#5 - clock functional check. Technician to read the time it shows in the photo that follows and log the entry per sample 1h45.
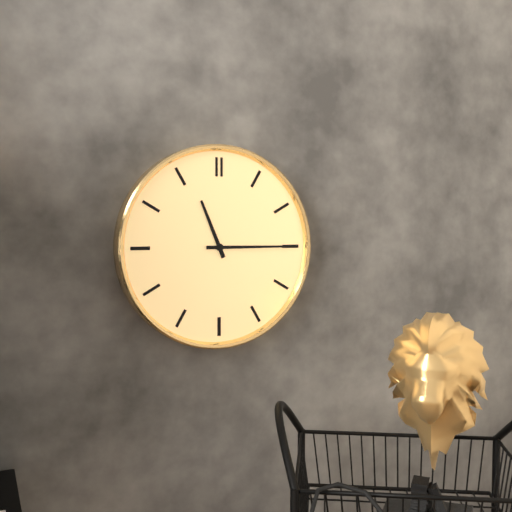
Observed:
11h15
